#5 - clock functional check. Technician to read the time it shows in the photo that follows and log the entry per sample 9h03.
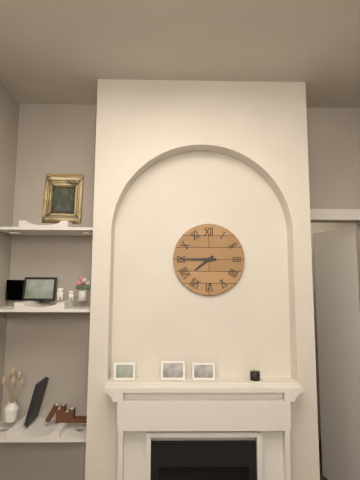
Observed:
7h45
